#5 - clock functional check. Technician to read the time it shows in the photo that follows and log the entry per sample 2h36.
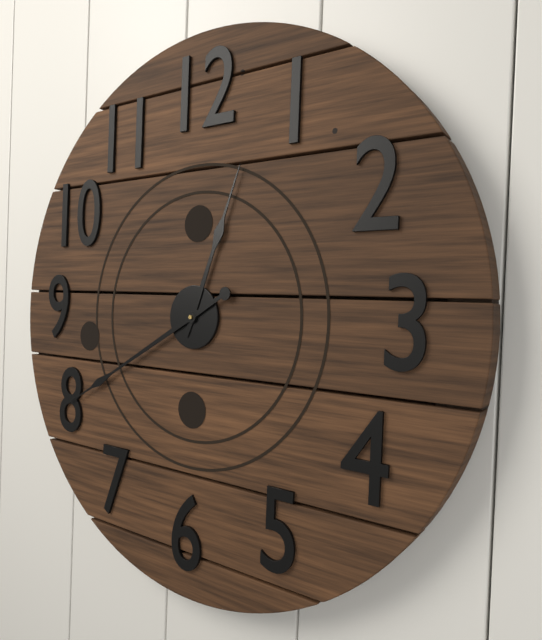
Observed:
12h40
